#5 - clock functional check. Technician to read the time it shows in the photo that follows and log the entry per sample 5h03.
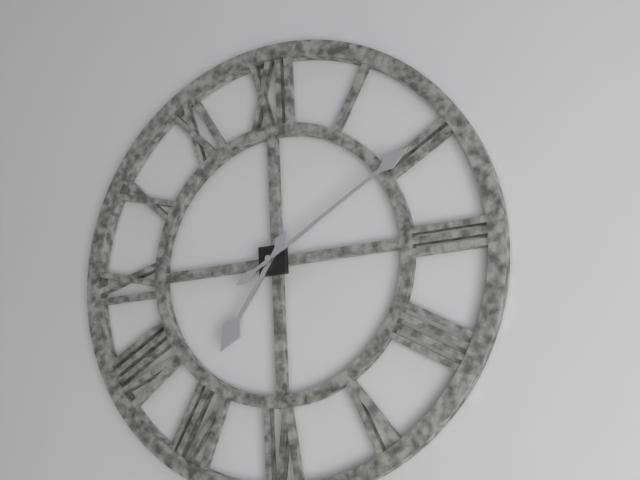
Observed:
7h10
